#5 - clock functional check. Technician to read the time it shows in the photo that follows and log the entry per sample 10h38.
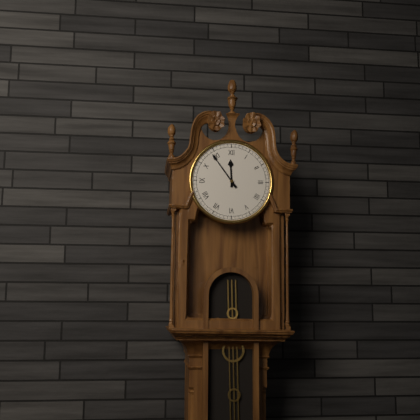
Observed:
11h54
